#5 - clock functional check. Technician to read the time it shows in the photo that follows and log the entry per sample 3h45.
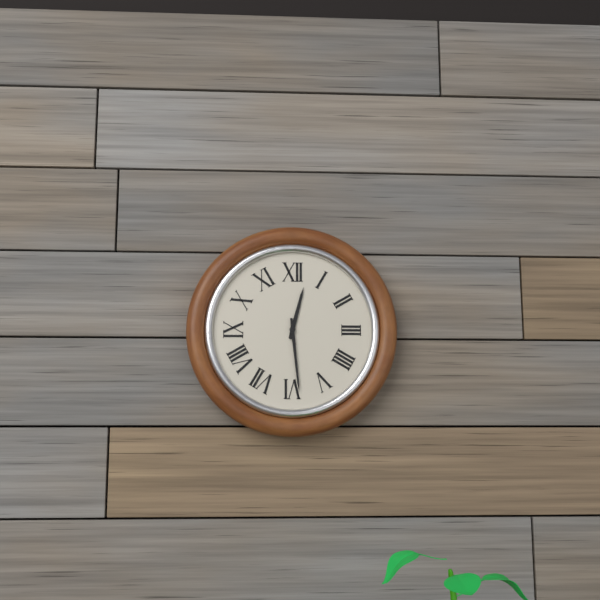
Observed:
12h29
